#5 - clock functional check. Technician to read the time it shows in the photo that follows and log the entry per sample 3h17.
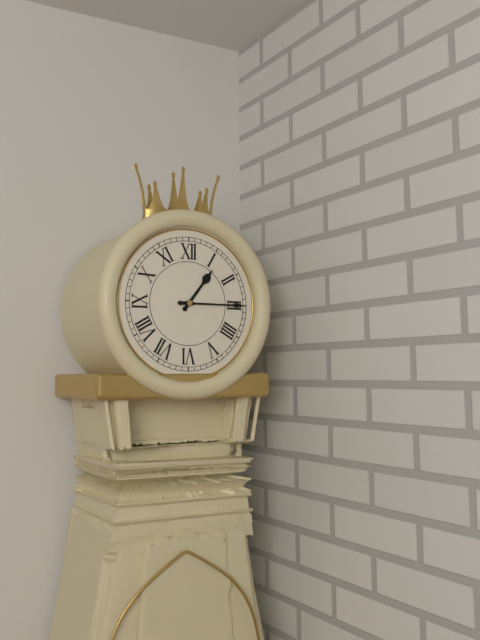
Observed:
1h15
